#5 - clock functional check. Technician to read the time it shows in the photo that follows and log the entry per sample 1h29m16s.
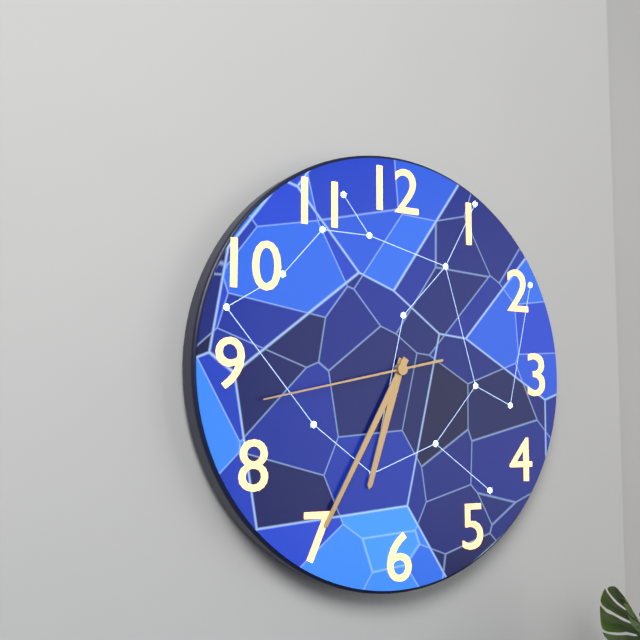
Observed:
6h35m43s
